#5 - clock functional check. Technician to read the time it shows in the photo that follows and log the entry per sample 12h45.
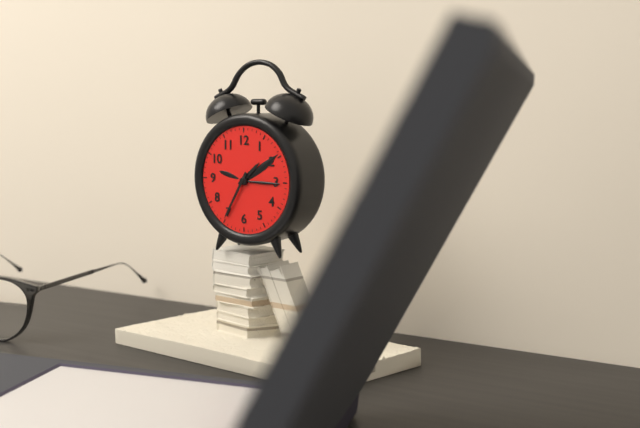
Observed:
1h35
